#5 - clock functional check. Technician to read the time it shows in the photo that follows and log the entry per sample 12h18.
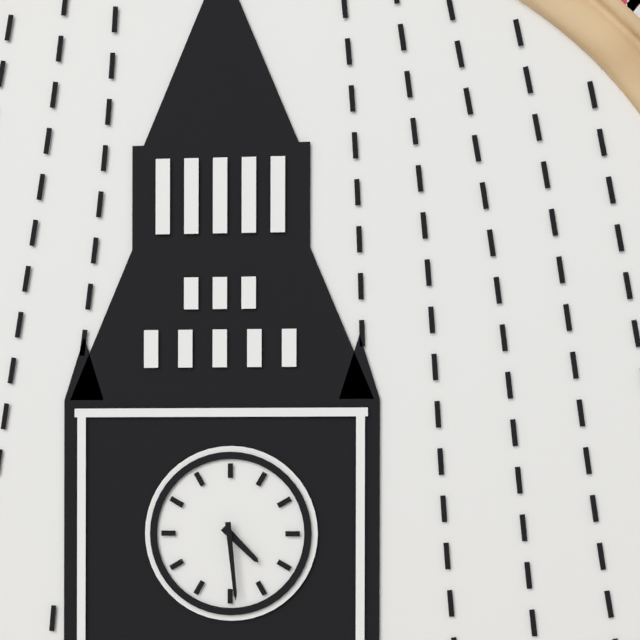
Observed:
4h29
